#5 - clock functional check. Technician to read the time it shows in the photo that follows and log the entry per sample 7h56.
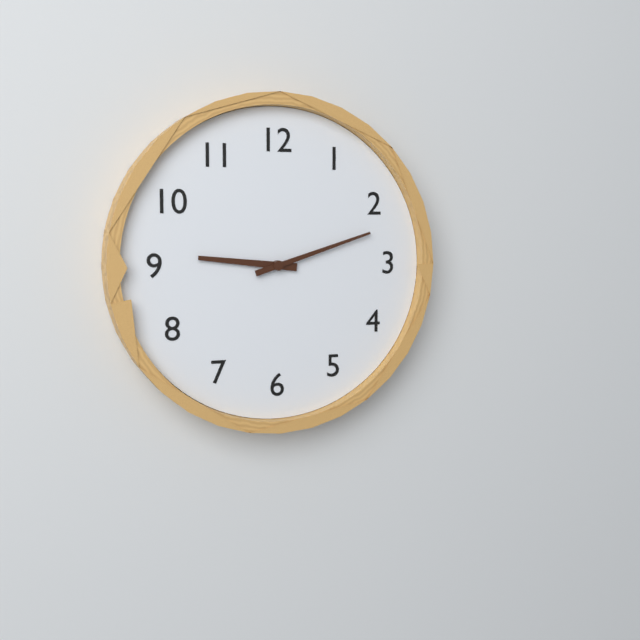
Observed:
9h12
